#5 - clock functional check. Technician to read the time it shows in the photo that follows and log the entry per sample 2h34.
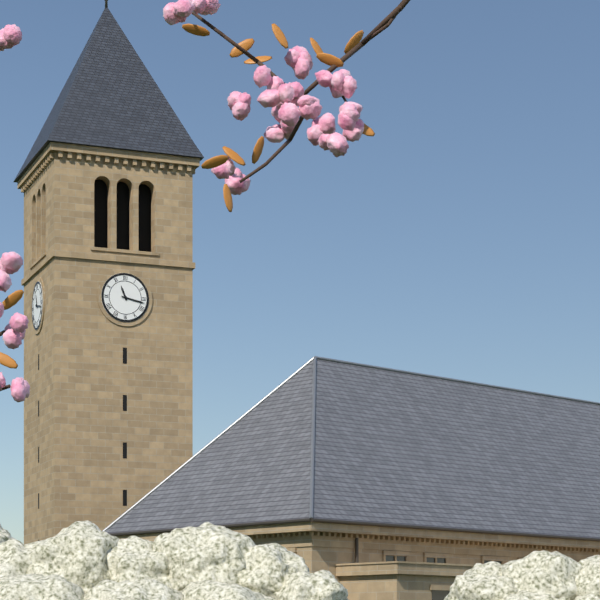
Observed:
11h17
